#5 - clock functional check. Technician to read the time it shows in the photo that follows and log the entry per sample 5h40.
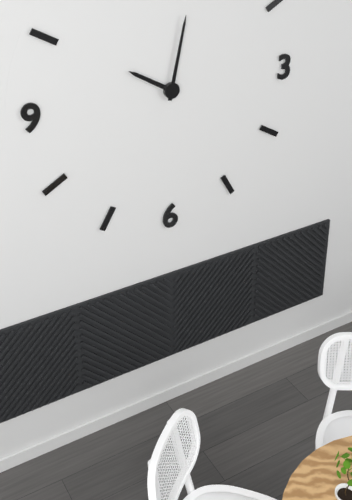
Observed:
10h02
